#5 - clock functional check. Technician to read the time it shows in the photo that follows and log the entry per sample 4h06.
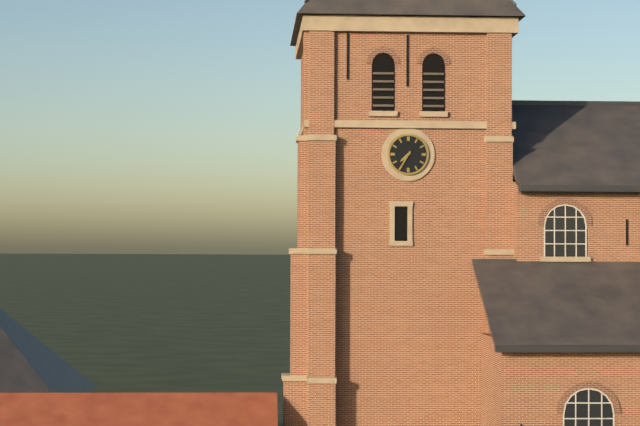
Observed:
7h35
